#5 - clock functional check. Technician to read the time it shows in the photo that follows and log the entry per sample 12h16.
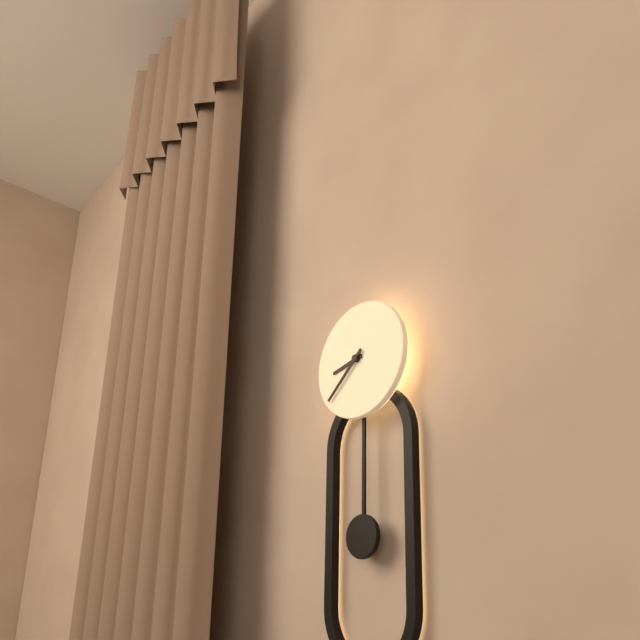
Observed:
8h38
